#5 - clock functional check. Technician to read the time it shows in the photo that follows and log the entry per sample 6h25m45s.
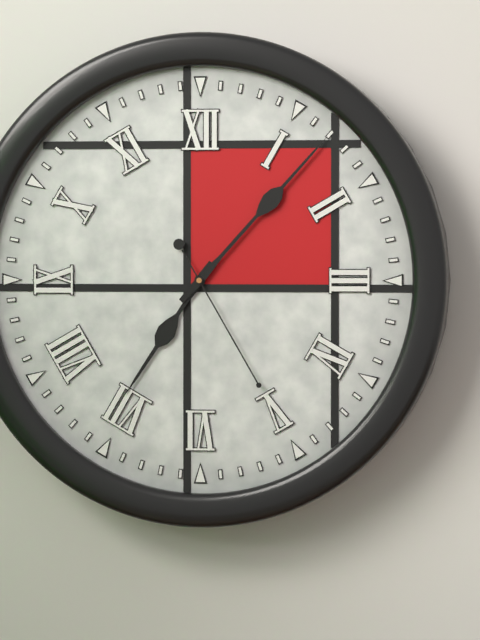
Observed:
7h07m25s
